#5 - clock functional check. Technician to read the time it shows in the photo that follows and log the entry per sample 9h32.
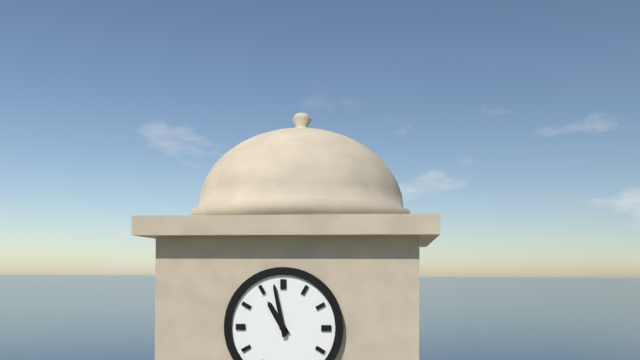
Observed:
10h58
